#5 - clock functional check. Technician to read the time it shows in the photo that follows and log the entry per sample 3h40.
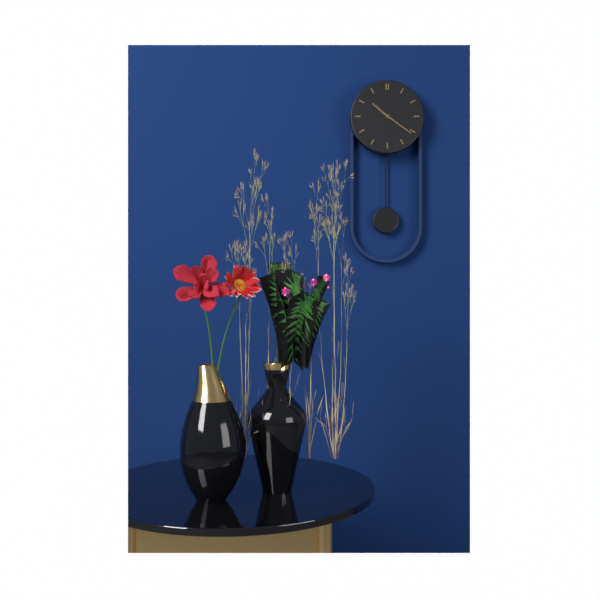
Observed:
10h21
